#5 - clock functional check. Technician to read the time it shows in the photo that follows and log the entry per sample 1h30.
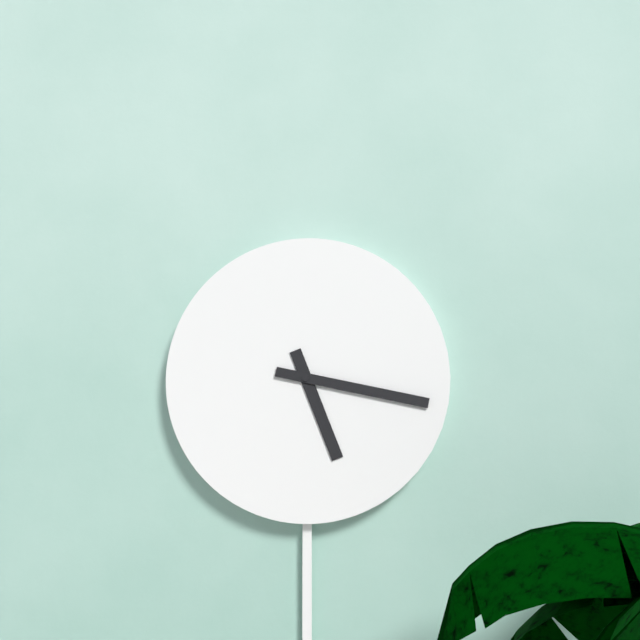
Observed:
5h17
